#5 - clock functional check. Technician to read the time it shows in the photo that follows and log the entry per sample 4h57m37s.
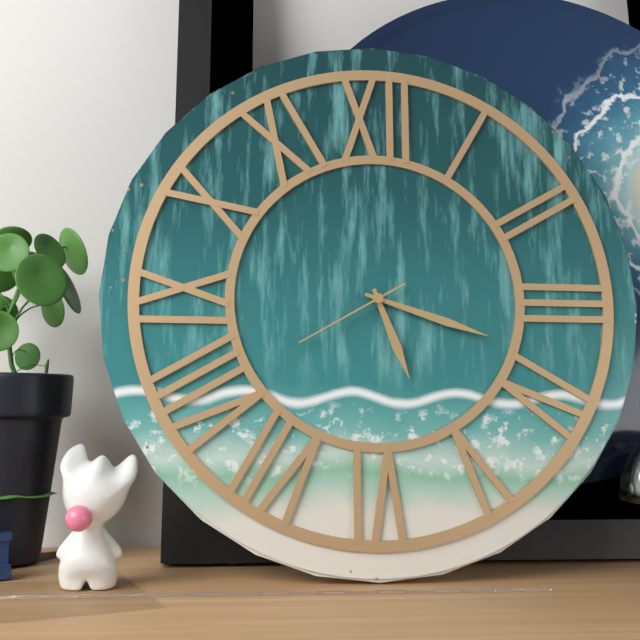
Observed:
5h18m40s
